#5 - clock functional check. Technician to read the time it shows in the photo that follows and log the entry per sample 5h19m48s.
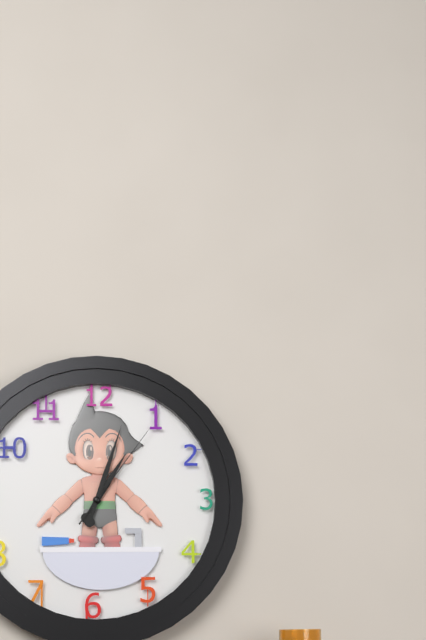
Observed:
1h03m06s
